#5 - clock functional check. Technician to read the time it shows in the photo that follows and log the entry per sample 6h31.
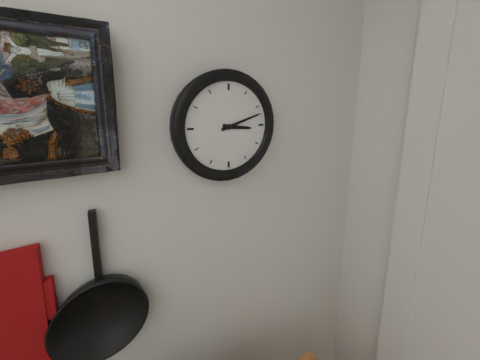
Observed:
3h12
